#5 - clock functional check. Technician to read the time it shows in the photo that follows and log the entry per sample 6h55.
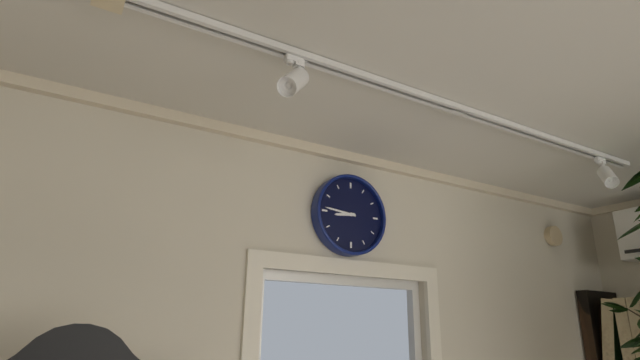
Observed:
8h46
